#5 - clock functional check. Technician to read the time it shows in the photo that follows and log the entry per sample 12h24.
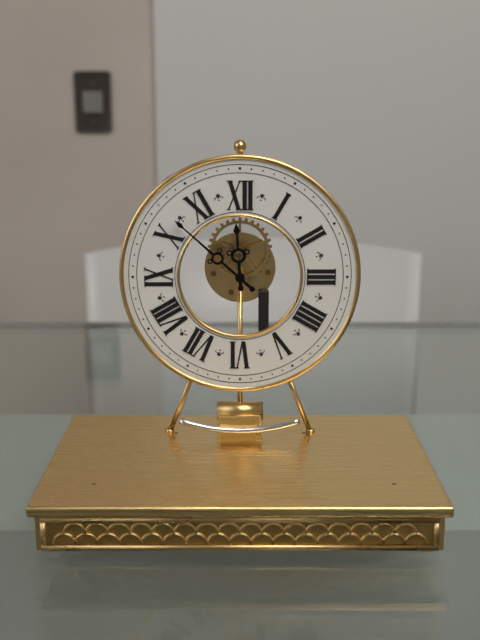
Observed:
11h52
